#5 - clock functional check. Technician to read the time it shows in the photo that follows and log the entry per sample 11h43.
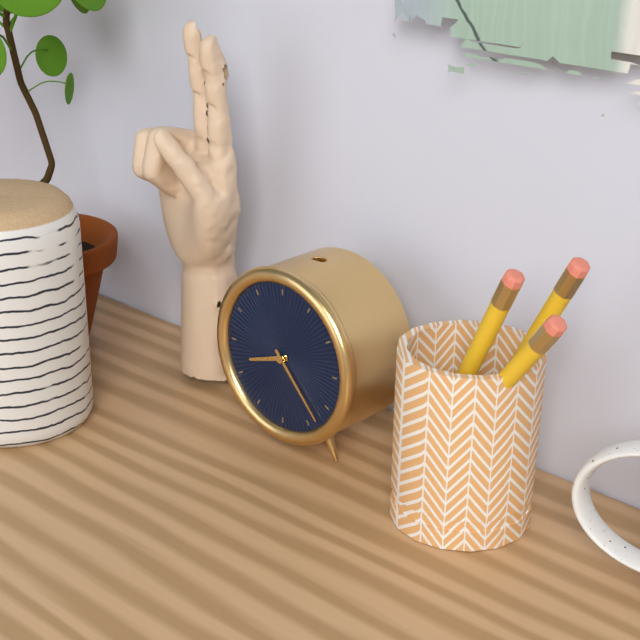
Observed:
8h23
